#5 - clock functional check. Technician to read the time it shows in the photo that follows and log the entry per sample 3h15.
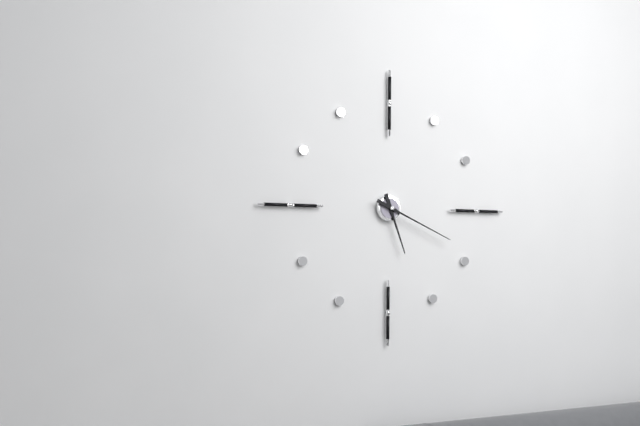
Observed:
5h19
